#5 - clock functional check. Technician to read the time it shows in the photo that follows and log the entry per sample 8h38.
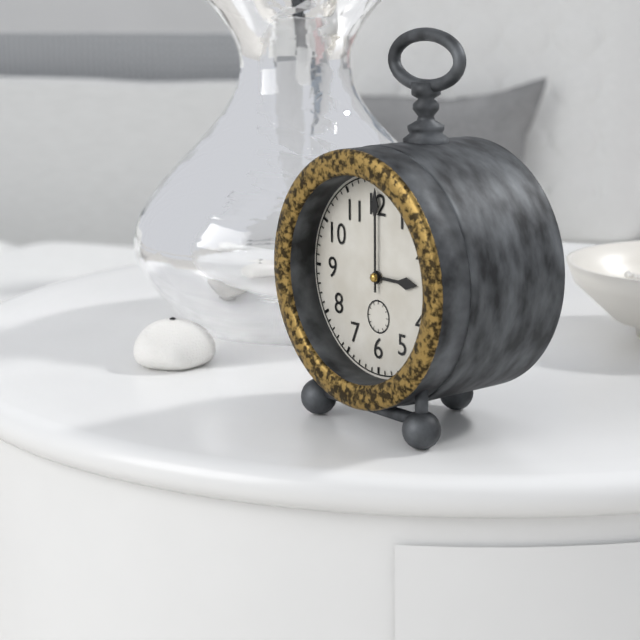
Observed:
3h00
